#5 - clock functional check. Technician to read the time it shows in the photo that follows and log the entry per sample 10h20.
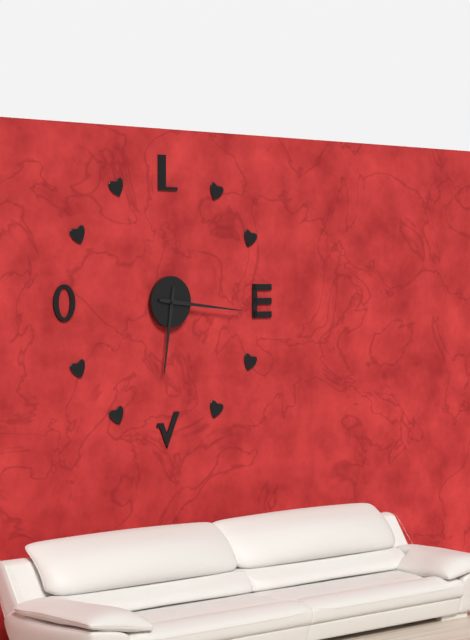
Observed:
6h16
